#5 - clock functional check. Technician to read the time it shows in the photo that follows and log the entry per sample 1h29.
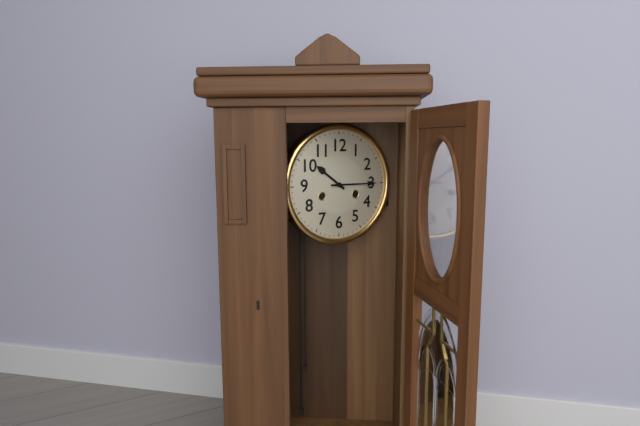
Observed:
10h15
